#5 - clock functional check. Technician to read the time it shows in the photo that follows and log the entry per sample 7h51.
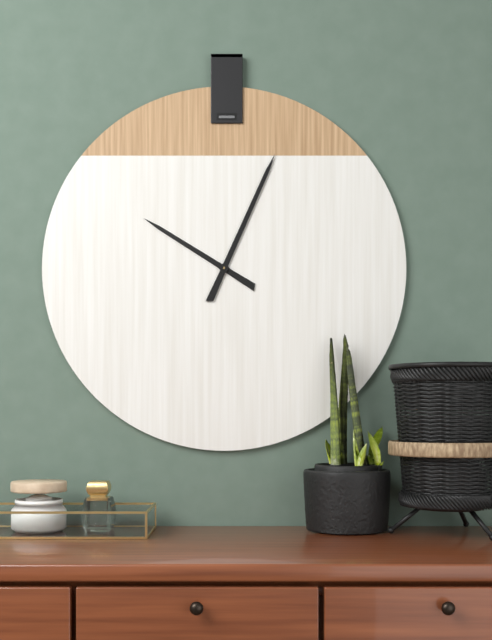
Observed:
10h04
